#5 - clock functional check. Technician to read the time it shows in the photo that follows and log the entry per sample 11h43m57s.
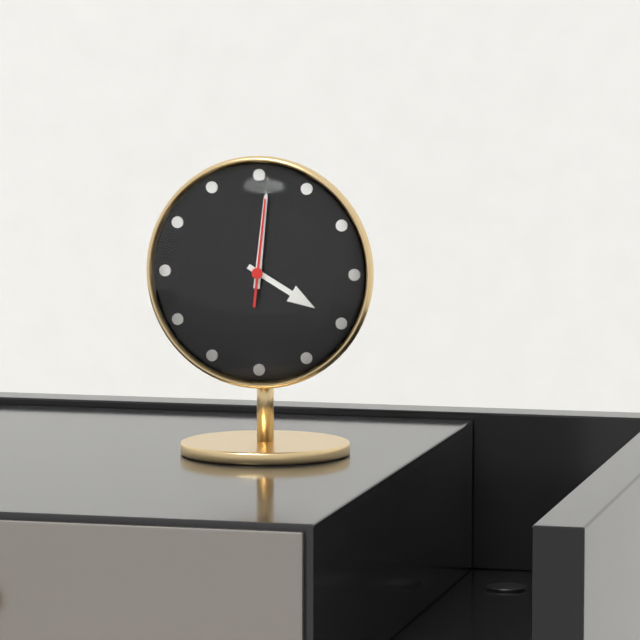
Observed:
4h01m01s
